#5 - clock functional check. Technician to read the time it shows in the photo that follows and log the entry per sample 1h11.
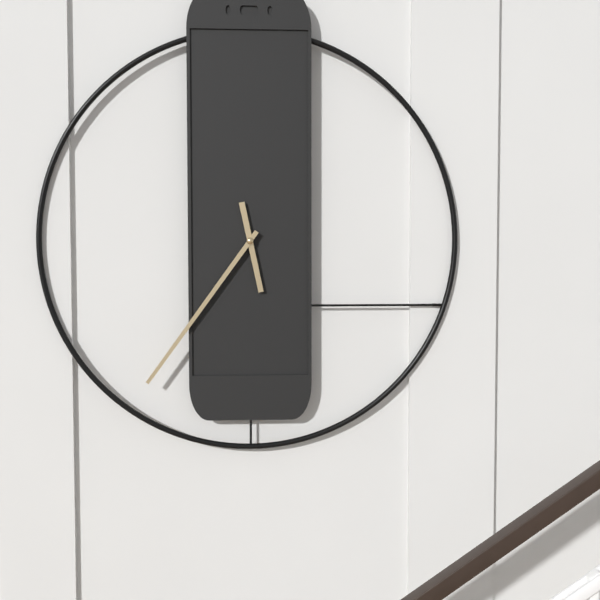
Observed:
5h36
